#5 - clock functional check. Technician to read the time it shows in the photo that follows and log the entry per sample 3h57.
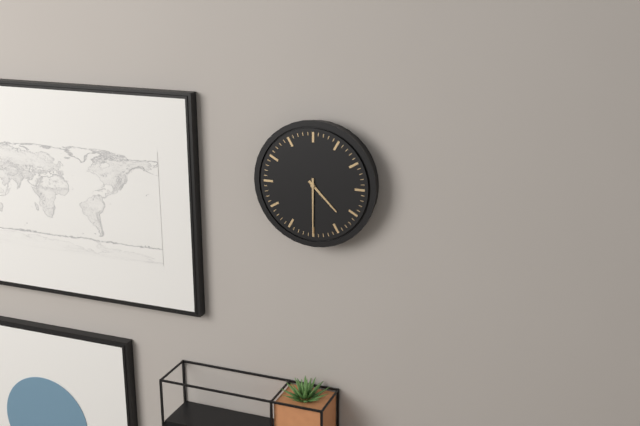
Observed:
4h30
